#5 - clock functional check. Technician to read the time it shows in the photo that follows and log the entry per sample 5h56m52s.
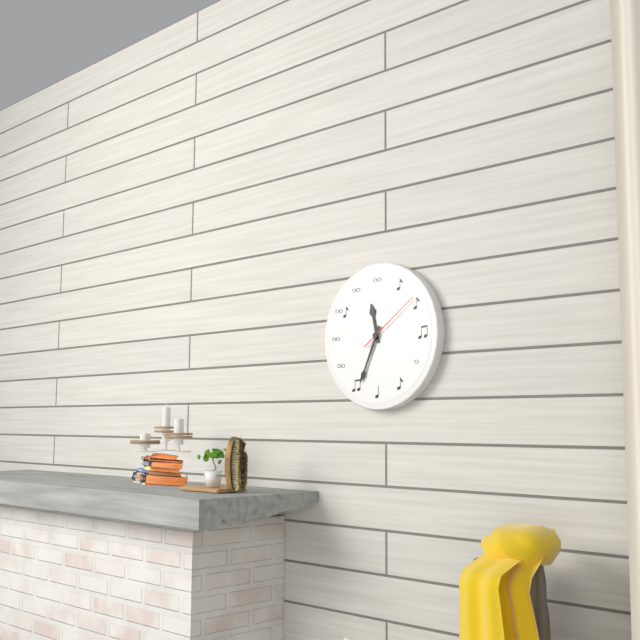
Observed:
11h34m09s
